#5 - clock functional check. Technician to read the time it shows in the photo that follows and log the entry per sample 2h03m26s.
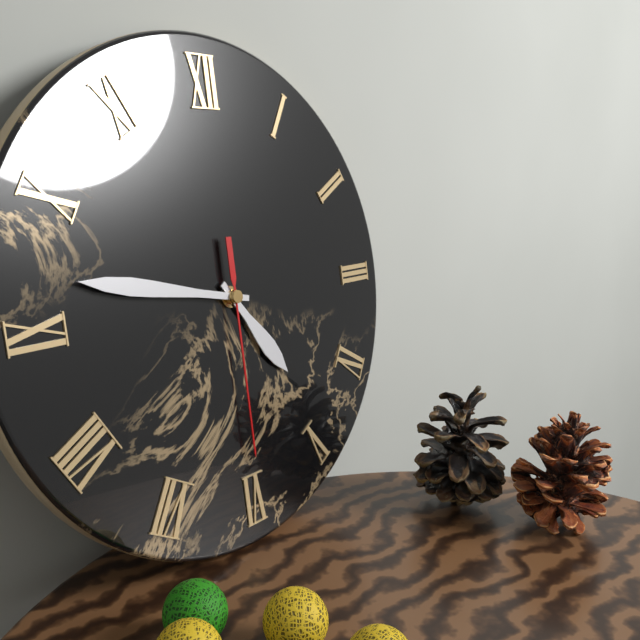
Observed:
4h47m30s
